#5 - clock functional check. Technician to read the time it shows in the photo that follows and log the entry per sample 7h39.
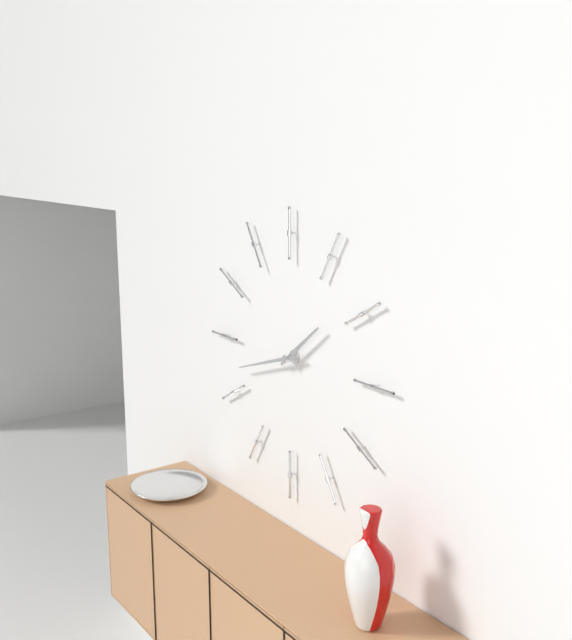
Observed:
1h42
